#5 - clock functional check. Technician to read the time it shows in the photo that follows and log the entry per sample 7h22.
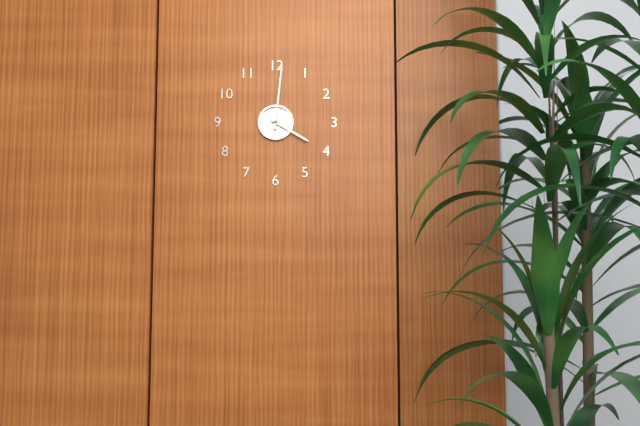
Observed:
4h01
